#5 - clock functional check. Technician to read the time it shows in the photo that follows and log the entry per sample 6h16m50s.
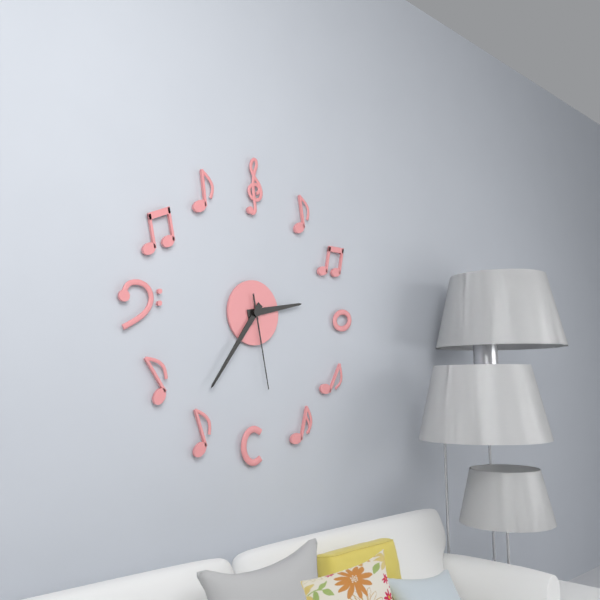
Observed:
2h36m28s
